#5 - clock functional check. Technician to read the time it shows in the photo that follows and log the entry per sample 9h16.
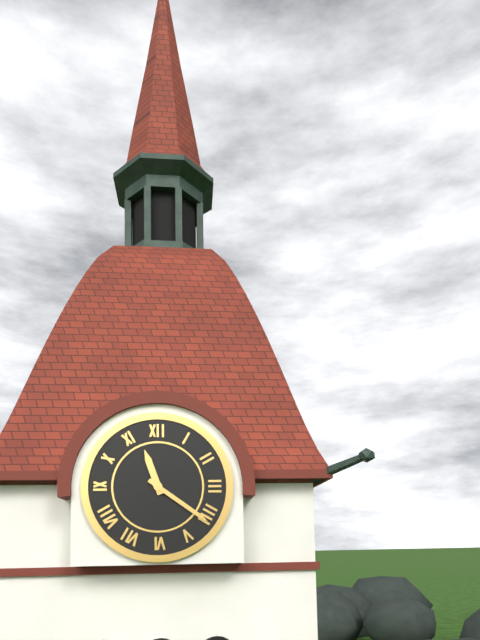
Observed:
11h21
